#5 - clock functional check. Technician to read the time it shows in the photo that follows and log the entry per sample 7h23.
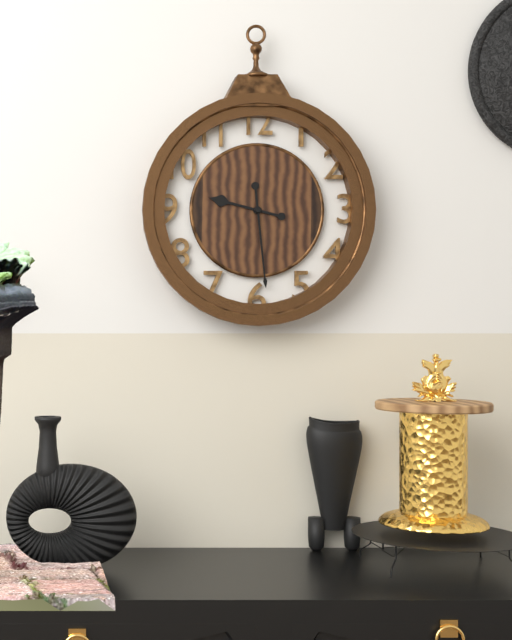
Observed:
9h29
